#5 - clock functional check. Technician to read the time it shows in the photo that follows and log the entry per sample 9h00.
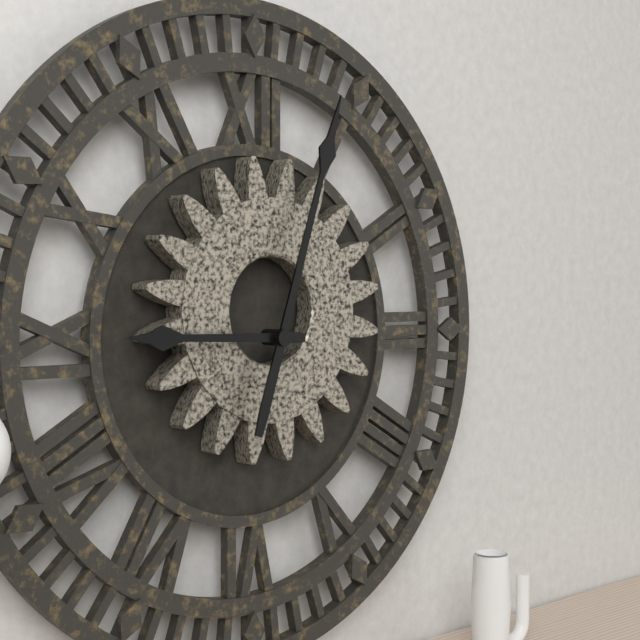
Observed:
9h03
